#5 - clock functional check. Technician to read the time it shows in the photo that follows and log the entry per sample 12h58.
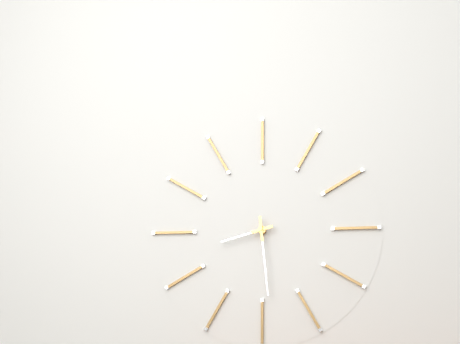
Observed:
8h29
